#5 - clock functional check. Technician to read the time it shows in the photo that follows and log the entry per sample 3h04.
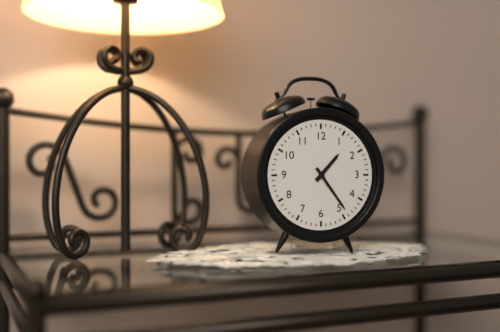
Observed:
1h24
